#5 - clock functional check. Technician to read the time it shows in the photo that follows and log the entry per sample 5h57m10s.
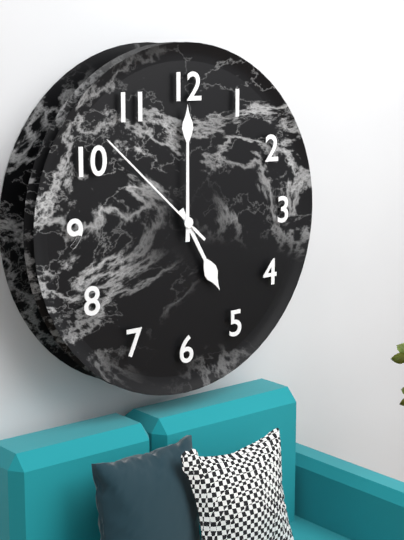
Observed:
5h00m52s
